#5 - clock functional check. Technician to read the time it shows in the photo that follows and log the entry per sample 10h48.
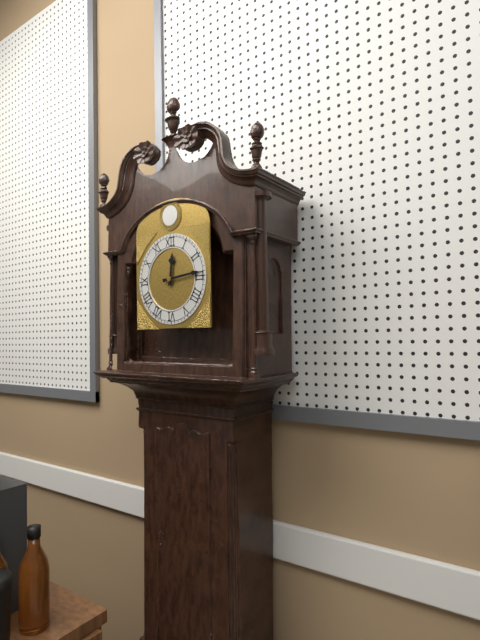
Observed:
12h14
